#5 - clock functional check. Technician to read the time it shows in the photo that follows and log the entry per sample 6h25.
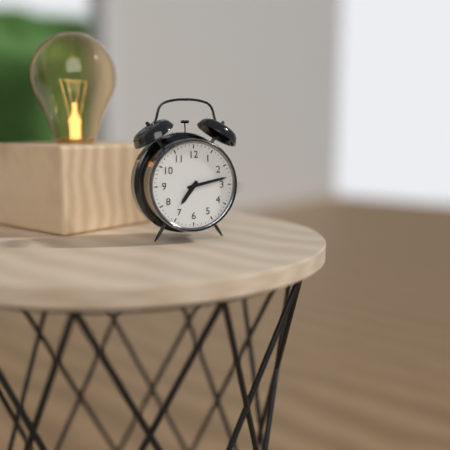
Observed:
7h13
